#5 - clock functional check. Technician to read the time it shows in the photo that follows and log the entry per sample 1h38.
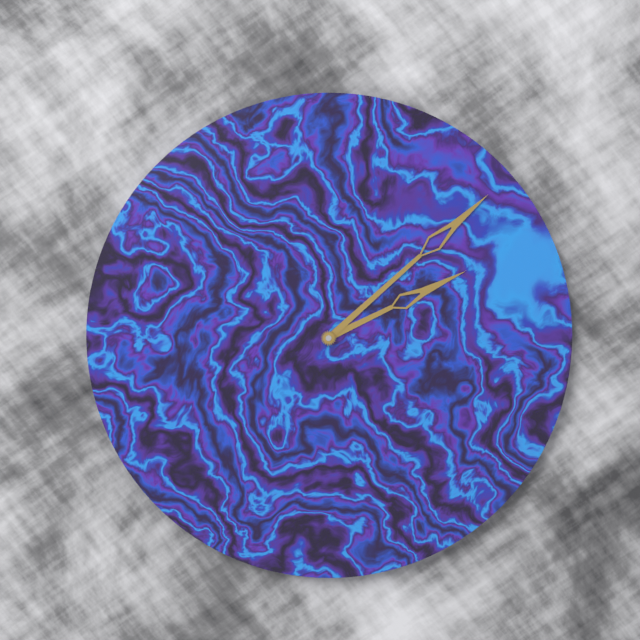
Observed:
2h08
